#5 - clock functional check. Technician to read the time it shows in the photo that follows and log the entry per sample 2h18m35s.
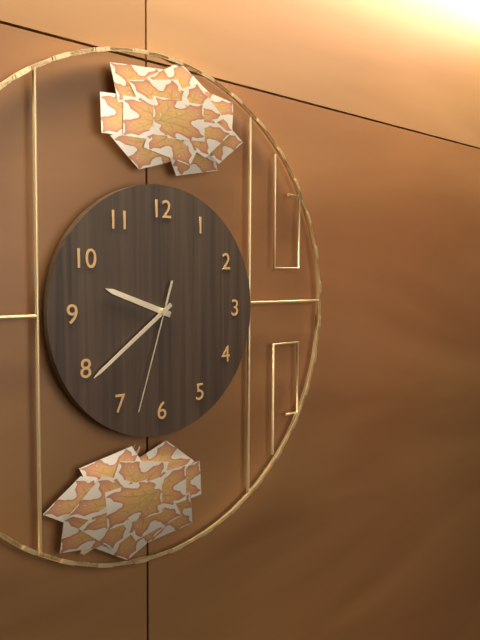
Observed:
9h39m33s
